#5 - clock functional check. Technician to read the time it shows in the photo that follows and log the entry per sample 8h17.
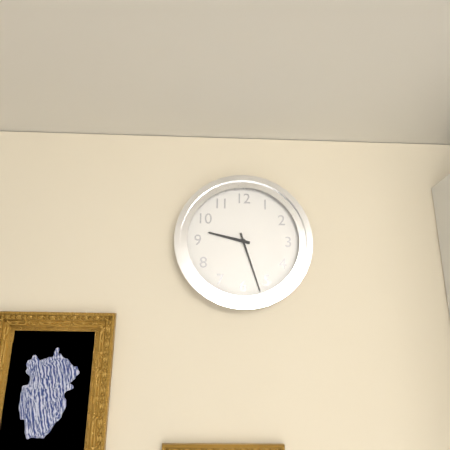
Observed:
9h27
